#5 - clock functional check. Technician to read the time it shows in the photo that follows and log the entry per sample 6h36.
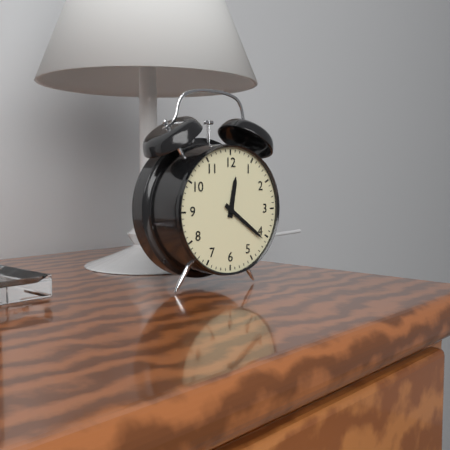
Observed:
12h21
